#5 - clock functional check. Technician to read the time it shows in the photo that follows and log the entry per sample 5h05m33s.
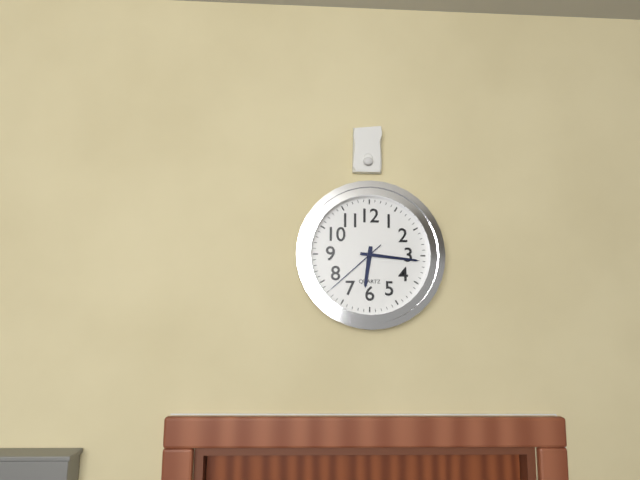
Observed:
6h16m38s
